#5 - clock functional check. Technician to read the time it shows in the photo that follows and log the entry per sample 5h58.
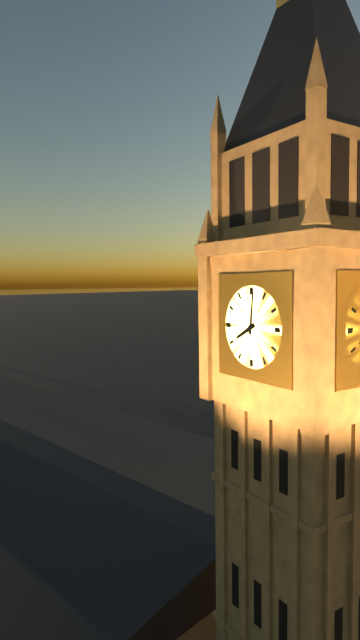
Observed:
8h01
